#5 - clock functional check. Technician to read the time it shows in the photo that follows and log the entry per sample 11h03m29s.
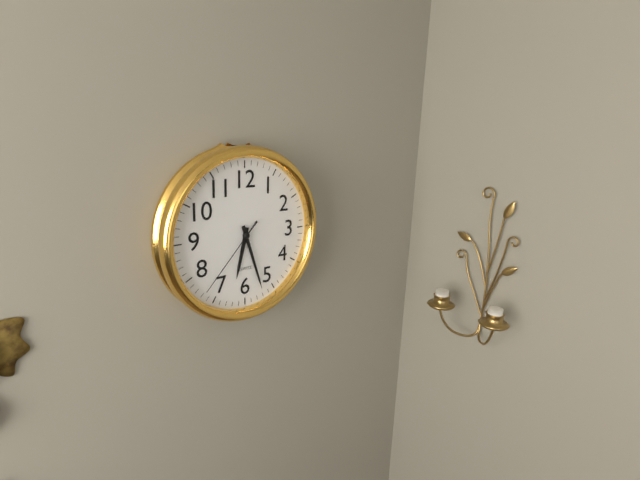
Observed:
6h27m37s
